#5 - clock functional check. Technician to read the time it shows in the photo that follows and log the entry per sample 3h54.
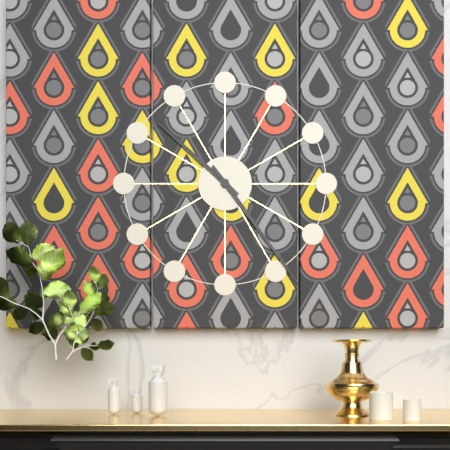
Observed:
10h24
